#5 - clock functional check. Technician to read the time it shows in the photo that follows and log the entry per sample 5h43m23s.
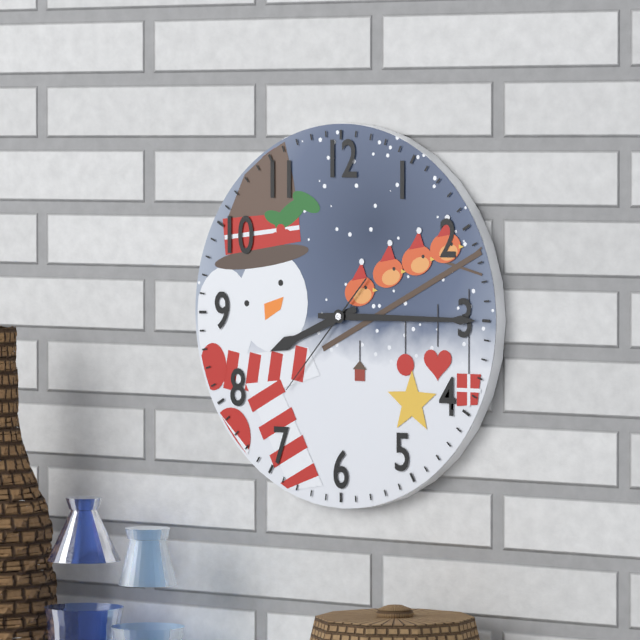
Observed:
8h15m37s
